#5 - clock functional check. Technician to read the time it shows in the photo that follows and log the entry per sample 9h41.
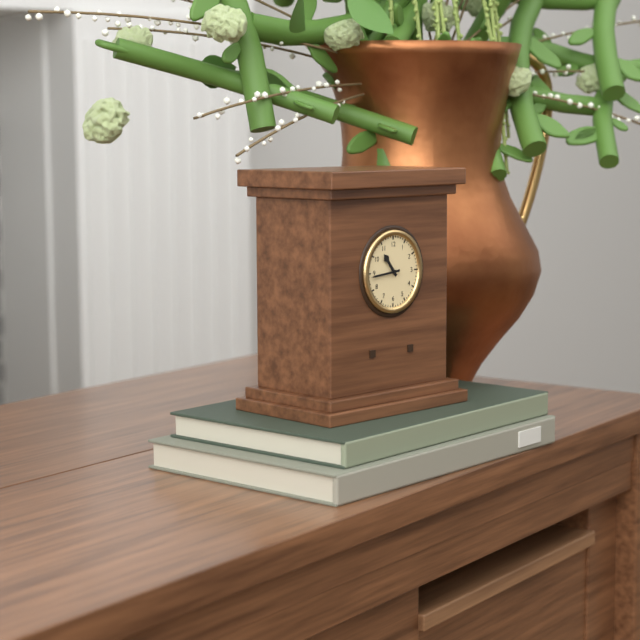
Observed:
10h44
